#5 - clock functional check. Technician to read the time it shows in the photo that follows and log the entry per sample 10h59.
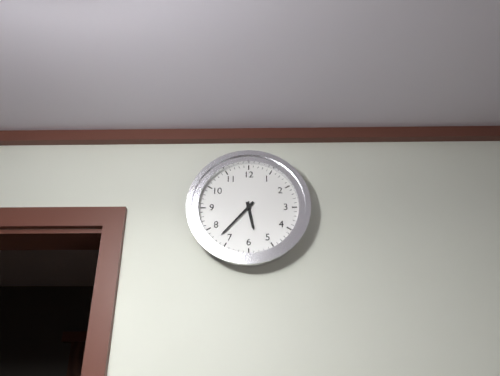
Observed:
5h37
